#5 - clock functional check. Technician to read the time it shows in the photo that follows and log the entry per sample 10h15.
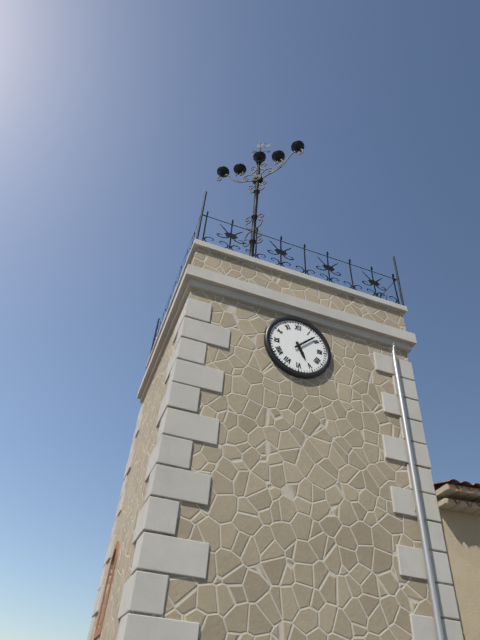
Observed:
5h08
